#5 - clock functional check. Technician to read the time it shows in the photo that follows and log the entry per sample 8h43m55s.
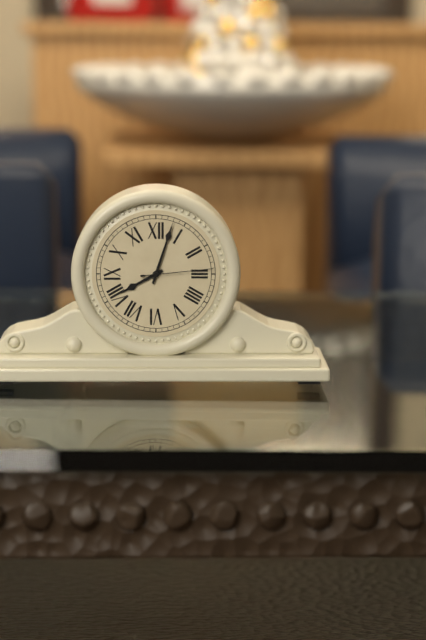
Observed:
8h03m14s
